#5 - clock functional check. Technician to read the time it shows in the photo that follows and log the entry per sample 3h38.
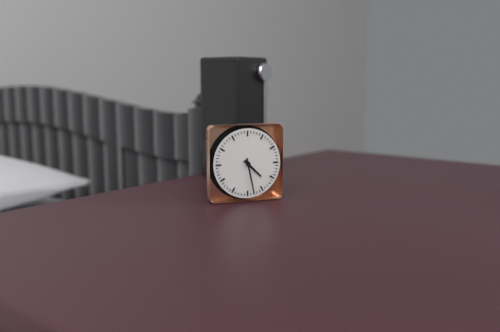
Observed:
4h28
